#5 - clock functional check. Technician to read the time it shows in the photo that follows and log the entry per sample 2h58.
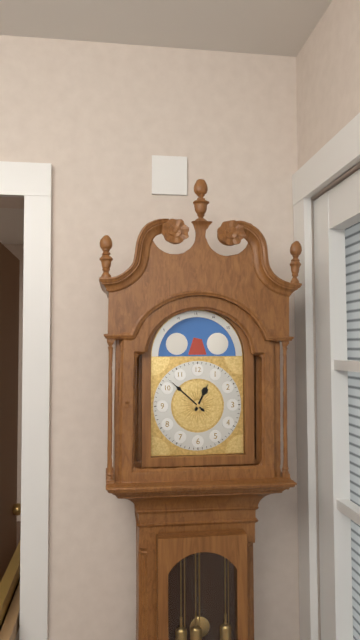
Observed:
12h52
